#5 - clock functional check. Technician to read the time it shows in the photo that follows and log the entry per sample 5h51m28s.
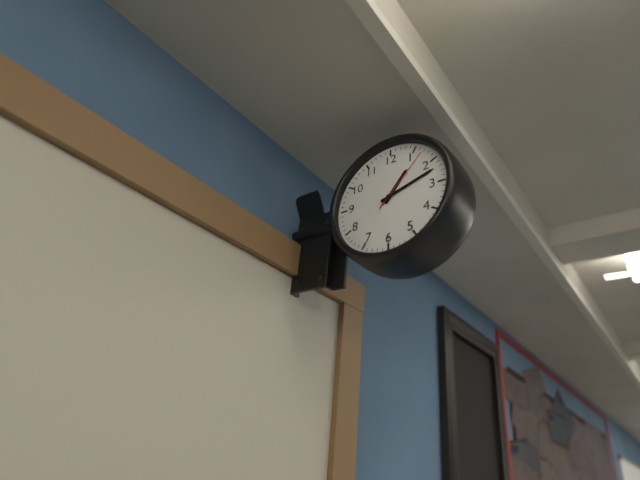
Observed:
1h12m07s
